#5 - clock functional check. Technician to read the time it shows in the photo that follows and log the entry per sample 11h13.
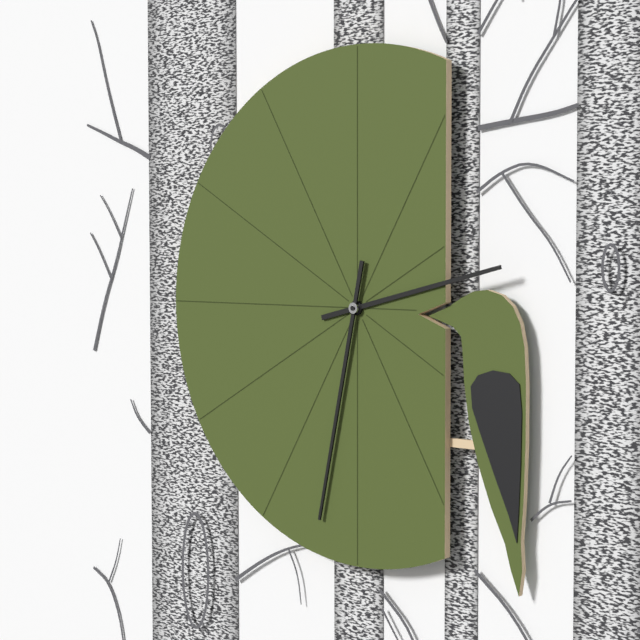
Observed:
2h32
